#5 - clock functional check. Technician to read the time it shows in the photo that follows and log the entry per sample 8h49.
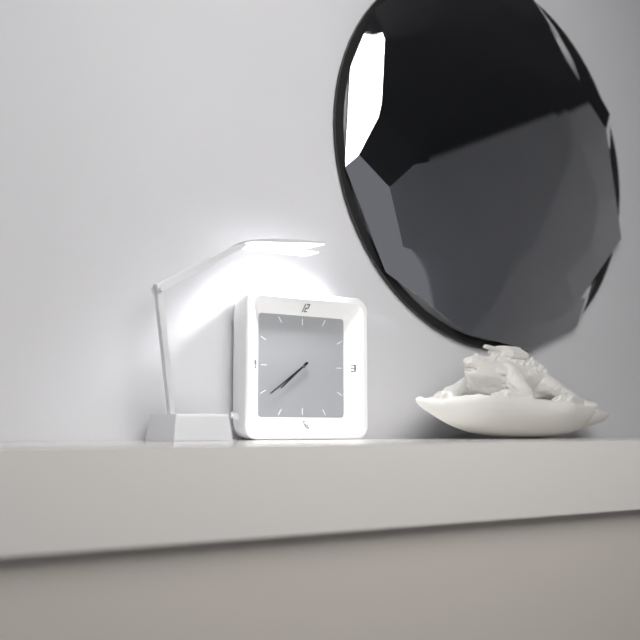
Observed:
7h39
